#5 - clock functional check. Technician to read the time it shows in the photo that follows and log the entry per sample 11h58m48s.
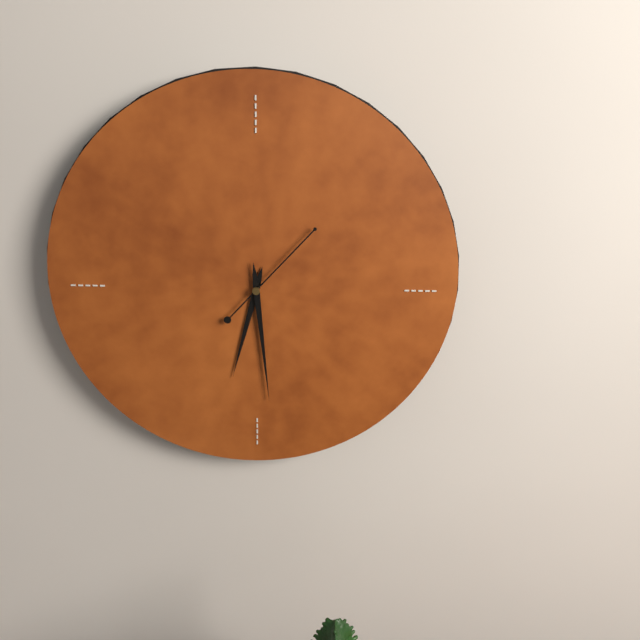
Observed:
6h29m07s
